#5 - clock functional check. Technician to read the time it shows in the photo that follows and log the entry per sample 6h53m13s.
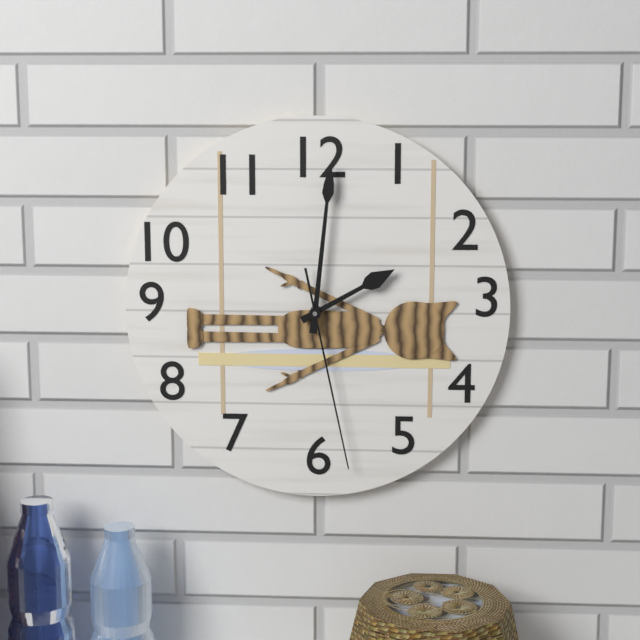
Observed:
2h01m28s
